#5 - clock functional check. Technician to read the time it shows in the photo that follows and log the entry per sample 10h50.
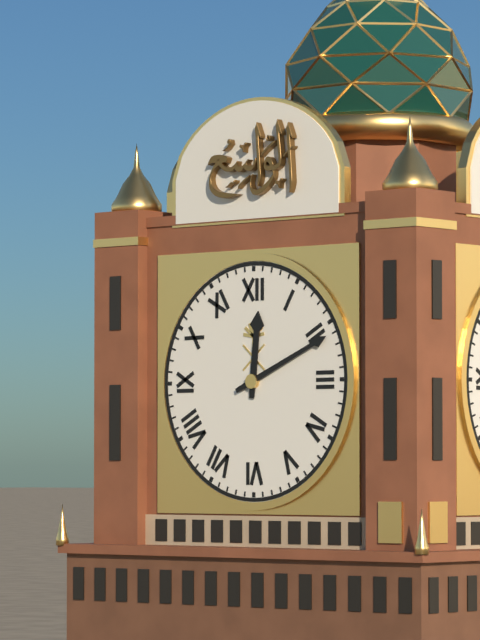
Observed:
12h11
